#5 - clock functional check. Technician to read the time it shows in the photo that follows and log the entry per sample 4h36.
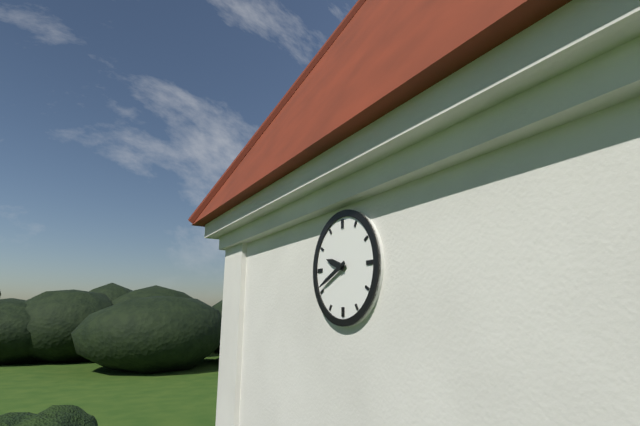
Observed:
9h41
